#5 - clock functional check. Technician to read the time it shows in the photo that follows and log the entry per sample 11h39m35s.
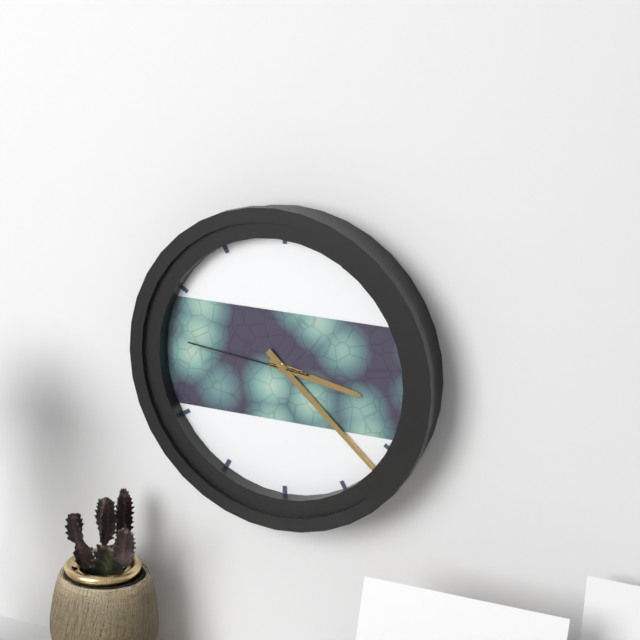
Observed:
3h22m46s
